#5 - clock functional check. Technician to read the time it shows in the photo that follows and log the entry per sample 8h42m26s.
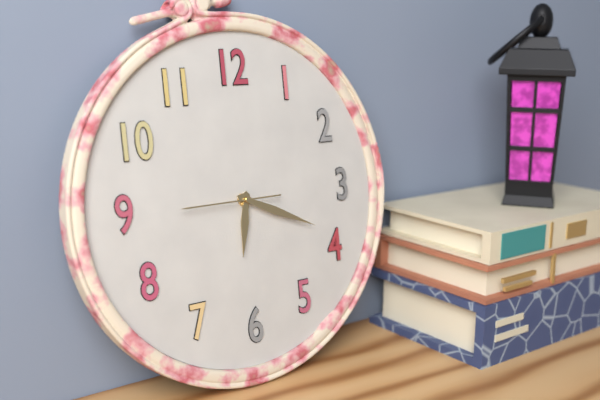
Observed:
6h19m45s
